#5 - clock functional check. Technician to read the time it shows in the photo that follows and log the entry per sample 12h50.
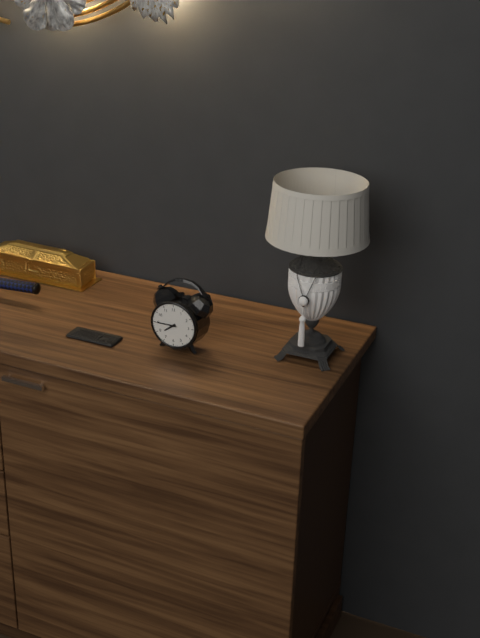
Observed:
7h45
